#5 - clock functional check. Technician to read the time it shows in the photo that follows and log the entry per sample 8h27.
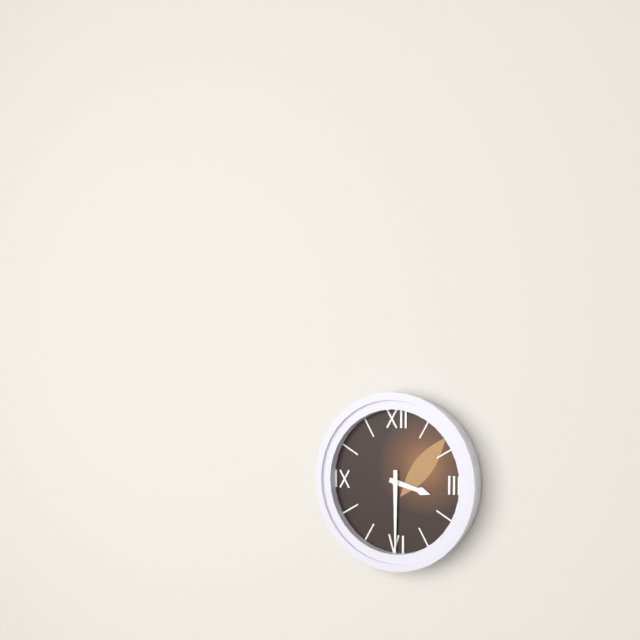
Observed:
3h30
